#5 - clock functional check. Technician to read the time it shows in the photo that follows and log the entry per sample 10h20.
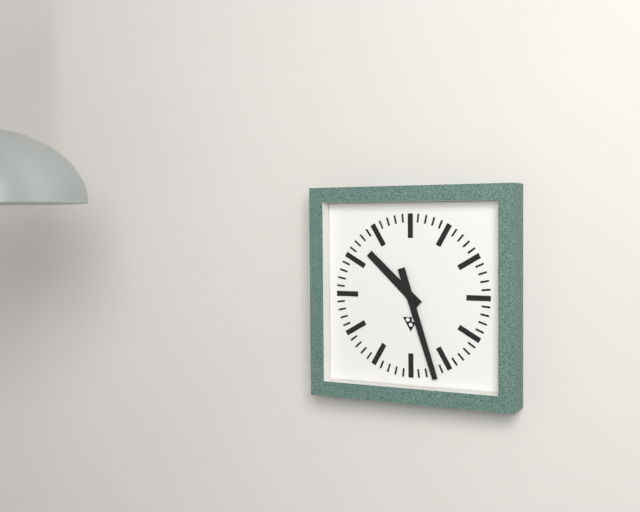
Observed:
10h27
